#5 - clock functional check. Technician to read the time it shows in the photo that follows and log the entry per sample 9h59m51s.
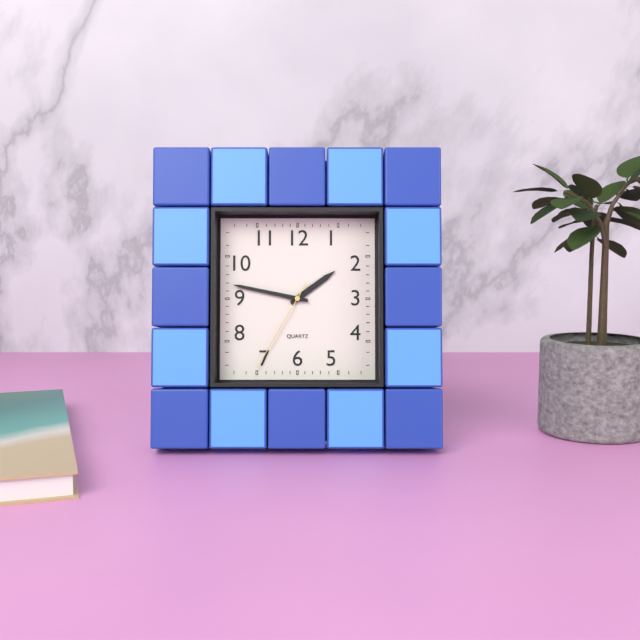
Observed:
1h47m35s
